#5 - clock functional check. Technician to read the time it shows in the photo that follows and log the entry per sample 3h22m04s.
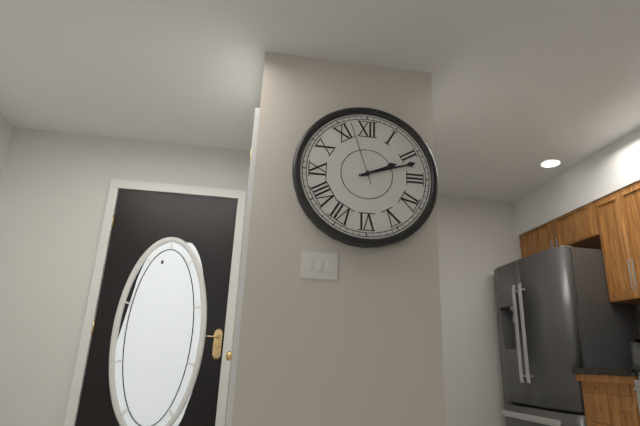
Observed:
2h12m57s
